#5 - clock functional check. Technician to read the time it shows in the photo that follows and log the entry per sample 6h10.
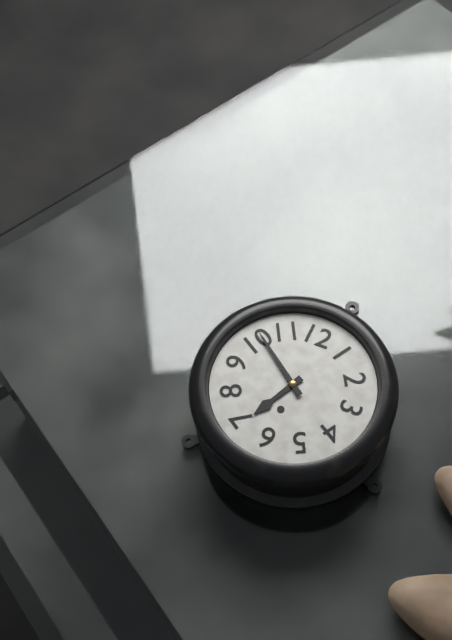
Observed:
6h51
